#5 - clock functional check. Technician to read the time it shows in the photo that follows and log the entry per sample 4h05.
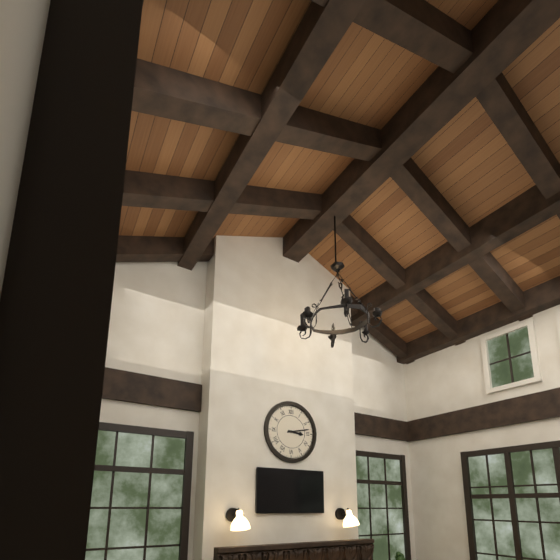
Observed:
3h13
